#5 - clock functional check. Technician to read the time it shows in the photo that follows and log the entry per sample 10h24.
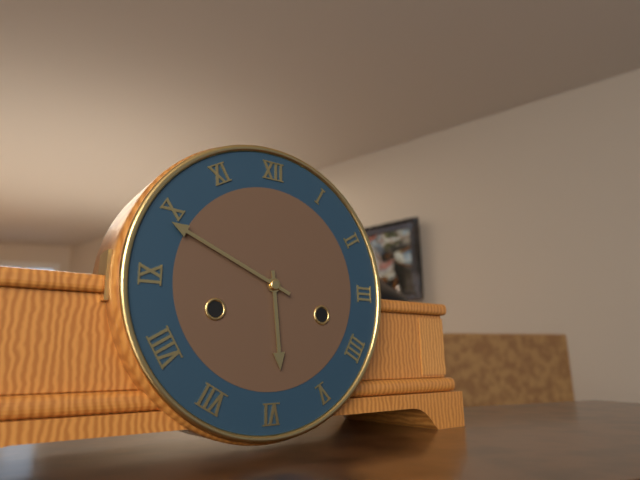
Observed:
5h49
